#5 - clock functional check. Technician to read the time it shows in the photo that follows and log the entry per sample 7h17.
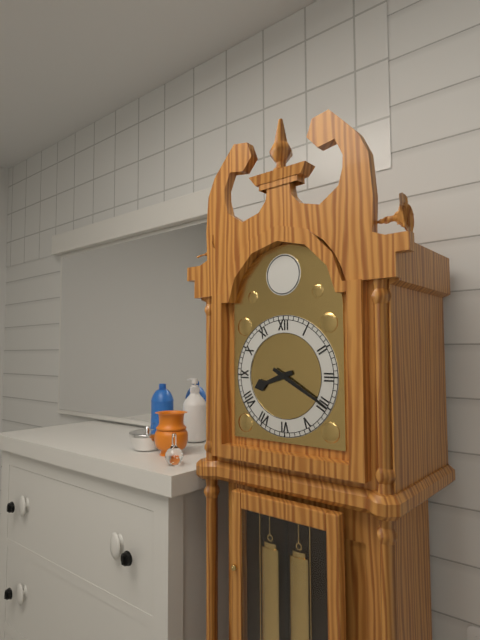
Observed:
8h20
